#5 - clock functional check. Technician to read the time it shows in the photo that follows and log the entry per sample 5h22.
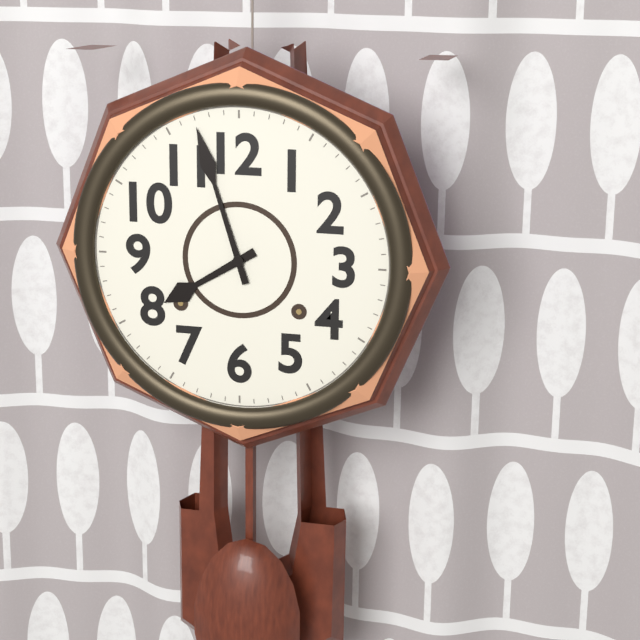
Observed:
7h57
